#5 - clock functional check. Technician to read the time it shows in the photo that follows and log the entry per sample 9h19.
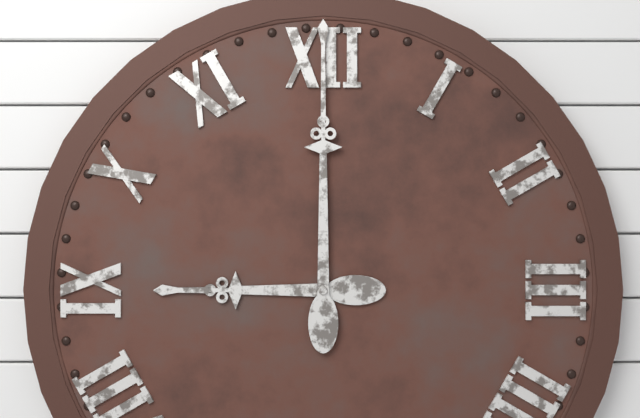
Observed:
9h00
